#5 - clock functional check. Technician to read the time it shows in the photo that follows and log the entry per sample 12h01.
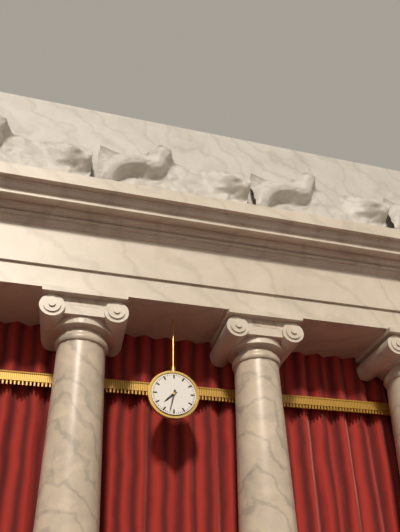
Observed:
7h32
